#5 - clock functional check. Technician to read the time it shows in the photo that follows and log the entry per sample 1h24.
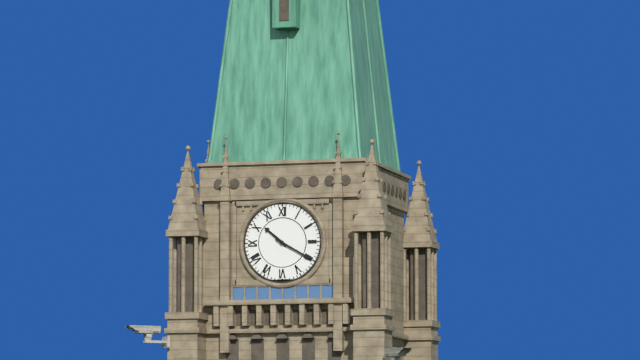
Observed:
10h20
